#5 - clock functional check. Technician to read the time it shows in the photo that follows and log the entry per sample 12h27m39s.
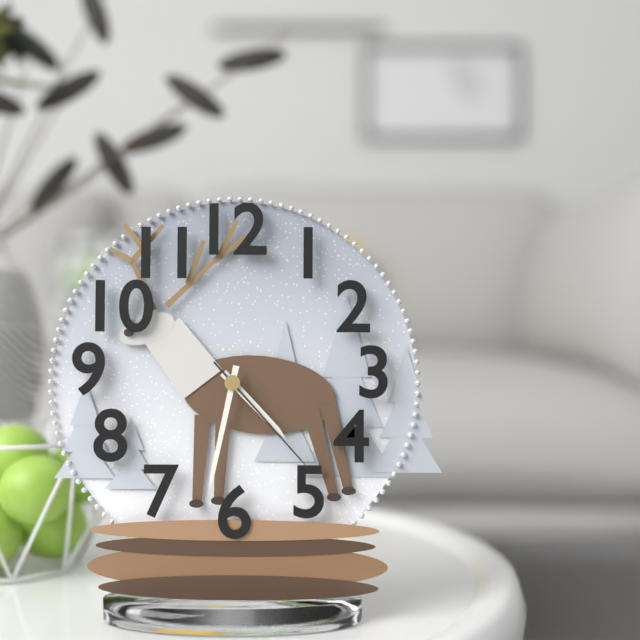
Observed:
4h32m23s
